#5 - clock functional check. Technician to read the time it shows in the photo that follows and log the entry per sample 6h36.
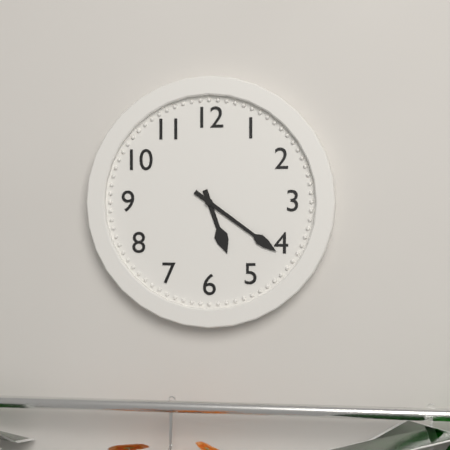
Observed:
5h21
